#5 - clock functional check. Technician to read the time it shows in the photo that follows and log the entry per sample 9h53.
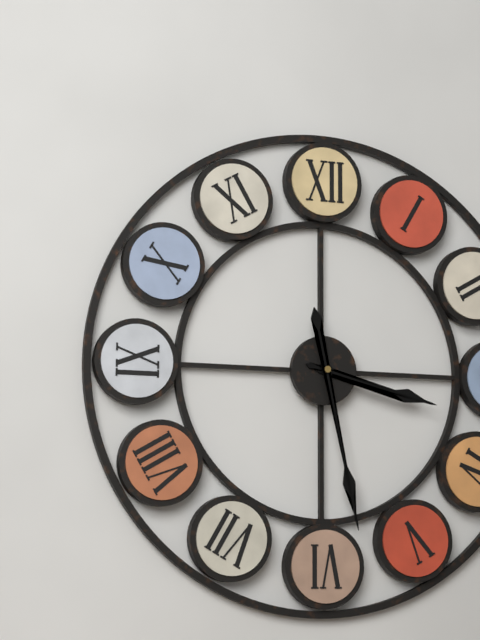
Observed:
3h28
